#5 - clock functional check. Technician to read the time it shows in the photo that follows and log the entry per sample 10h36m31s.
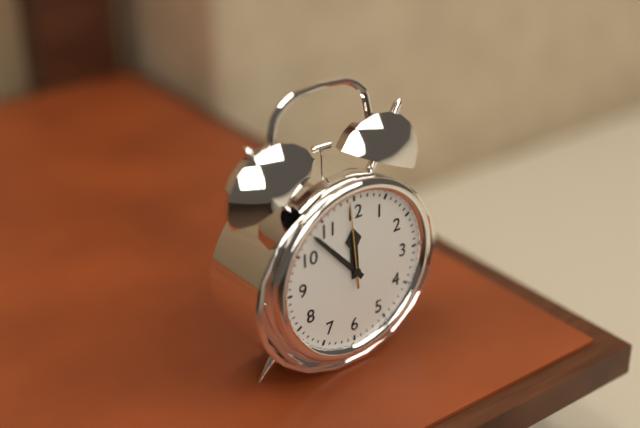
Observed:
11h53m59s
